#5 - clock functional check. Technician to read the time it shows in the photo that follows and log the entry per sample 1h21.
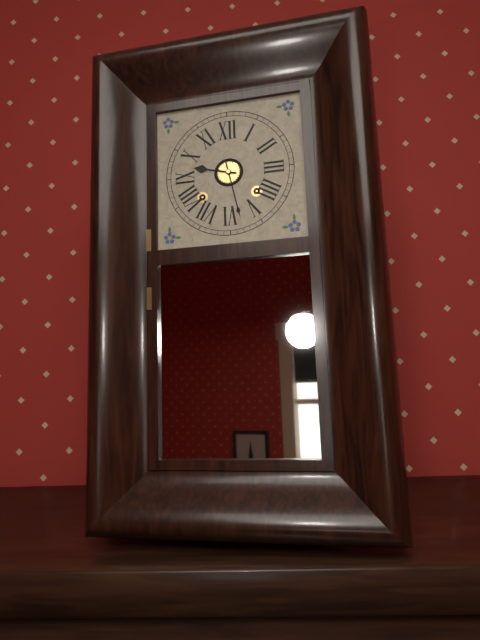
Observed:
9h28
